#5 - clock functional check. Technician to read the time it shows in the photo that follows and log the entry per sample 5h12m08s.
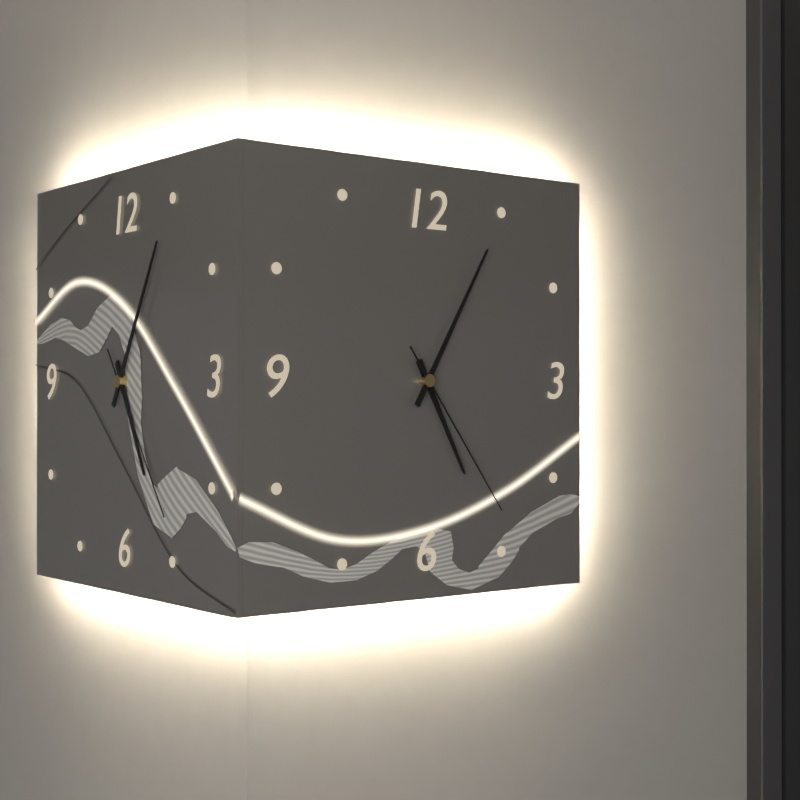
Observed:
5h05m24s
